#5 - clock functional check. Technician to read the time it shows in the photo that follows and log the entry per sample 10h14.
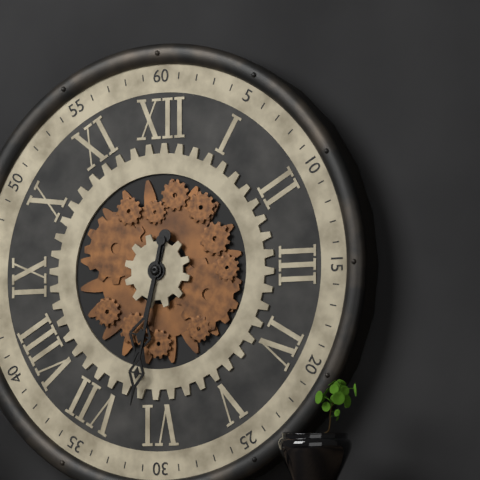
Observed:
6h32
